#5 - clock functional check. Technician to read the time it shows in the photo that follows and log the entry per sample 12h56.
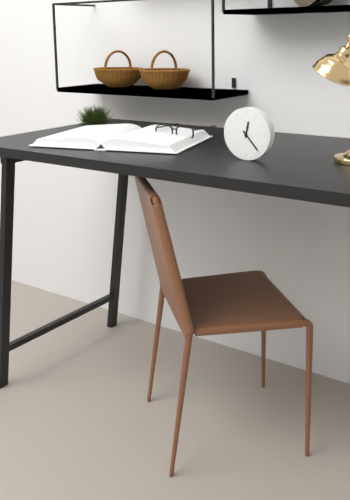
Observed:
12h23
